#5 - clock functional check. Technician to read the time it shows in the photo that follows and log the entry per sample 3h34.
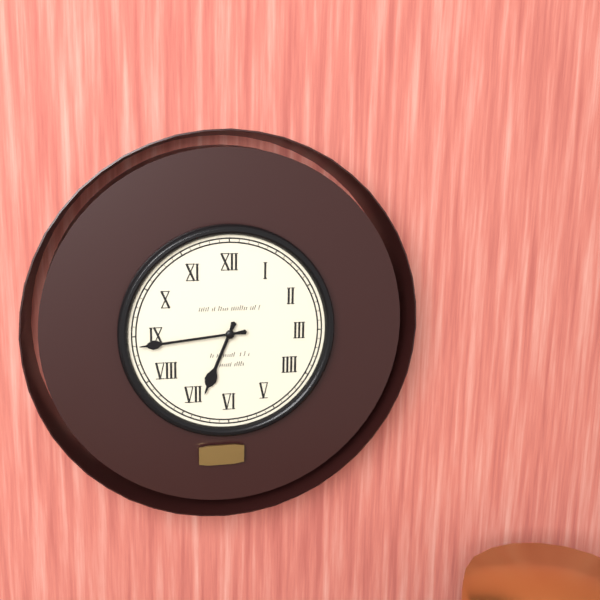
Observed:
6h44
